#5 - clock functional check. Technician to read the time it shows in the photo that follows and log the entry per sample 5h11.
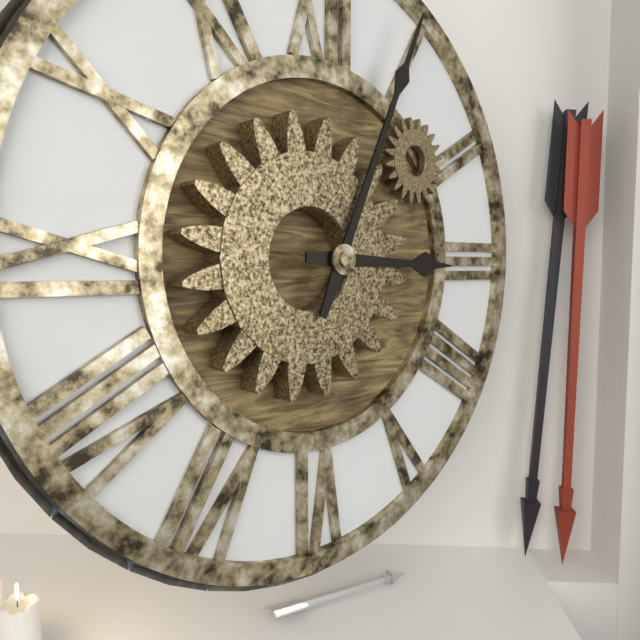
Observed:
3h04
